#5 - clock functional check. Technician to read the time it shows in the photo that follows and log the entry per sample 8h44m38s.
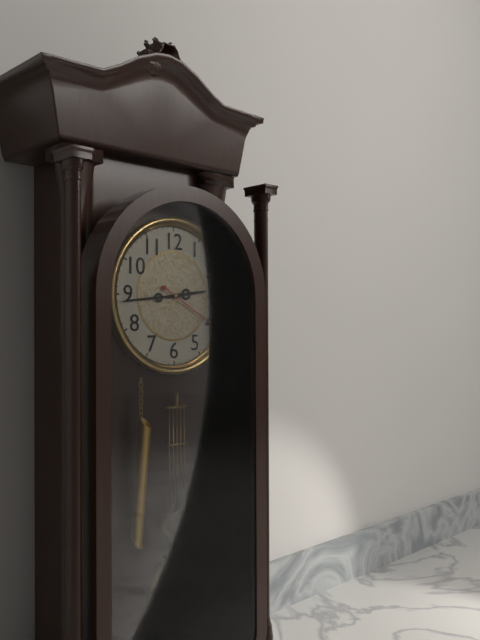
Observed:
2h44m20s
